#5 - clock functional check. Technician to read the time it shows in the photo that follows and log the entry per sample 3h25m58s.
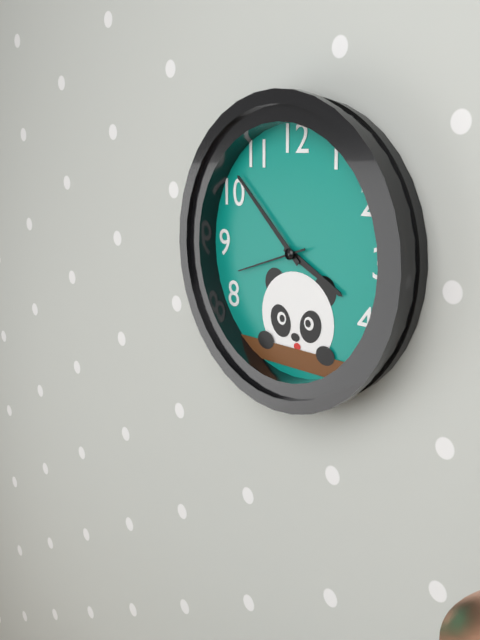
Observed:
3h52m42s
